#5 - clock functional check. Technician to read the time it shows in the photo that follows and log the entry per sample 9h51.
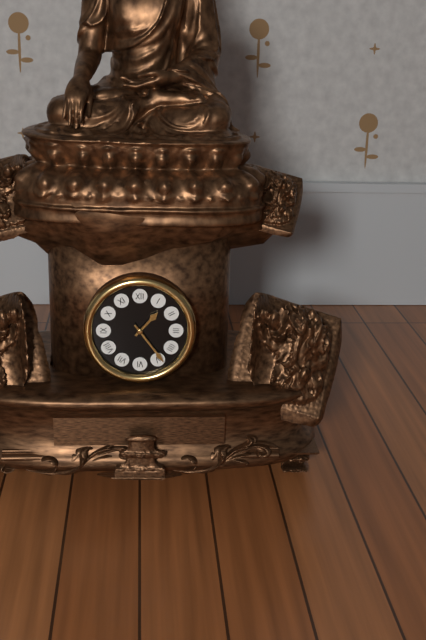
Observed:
1h24
